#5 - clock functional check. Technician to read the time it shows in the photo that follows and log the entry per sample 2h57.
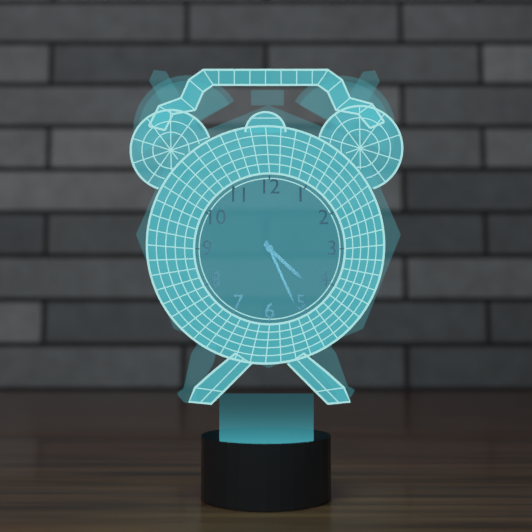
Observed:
4h26
